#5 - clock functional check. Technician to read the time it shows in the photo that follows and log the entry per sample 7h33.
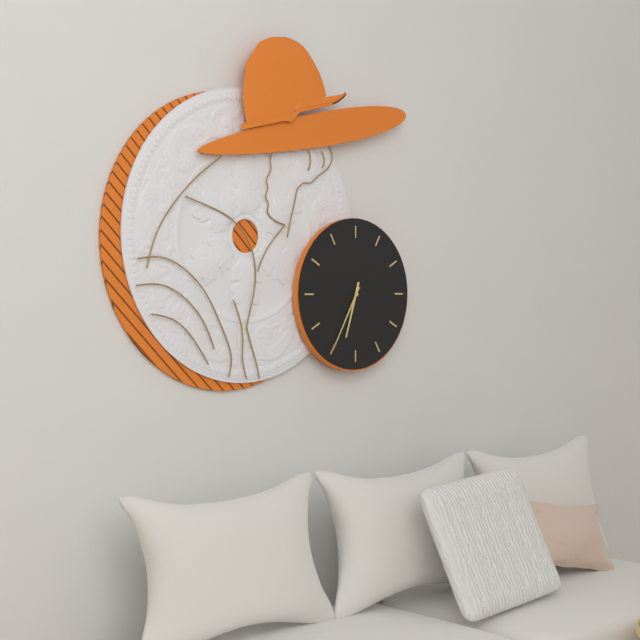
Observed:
6h35
